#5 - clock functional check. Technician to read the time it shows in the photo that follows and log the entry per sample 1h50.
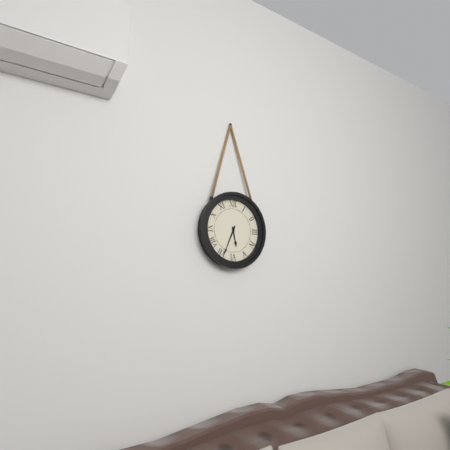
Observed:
5h34
